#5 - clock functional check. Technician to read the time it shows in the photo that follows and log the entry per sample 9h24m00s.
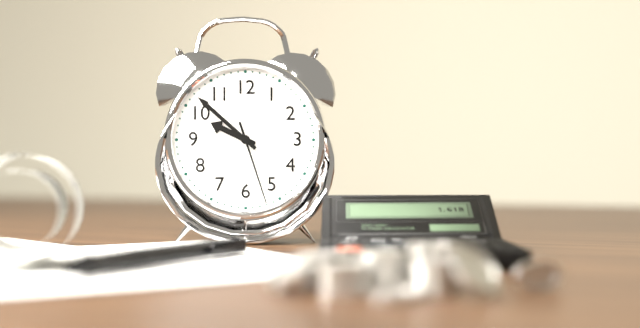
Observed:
9h52m27s
